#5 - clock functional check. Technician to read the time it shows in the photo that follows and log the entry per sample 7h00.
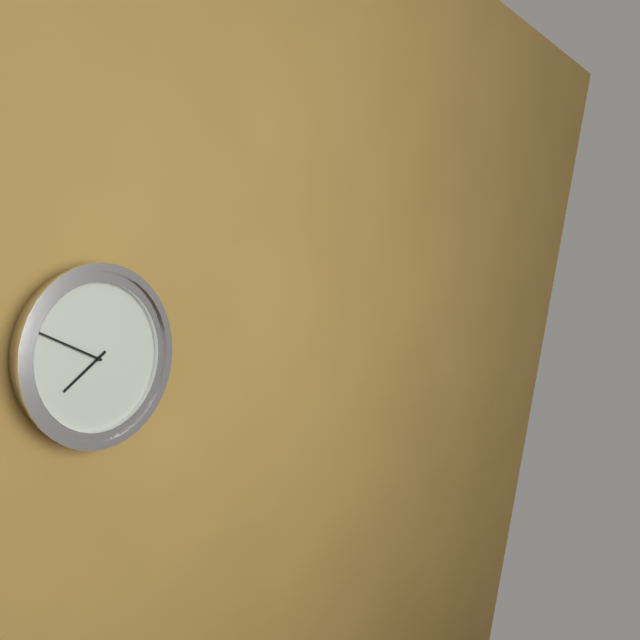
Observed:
7h49
